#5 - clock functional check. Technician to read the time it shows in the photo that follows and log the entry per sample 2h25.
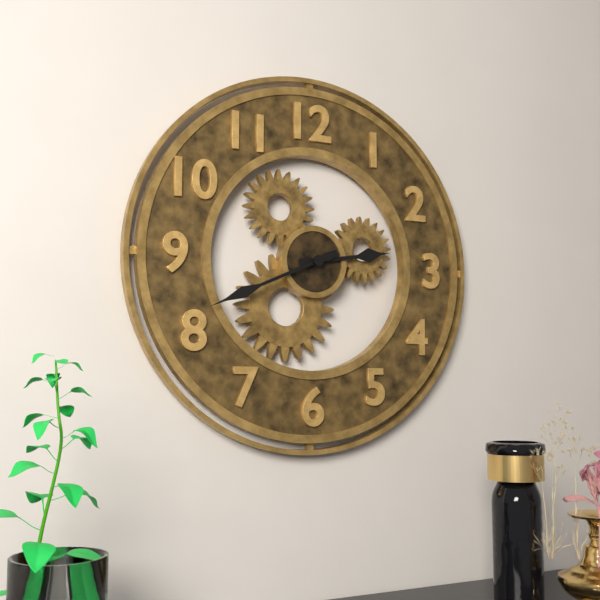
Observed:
2h41
